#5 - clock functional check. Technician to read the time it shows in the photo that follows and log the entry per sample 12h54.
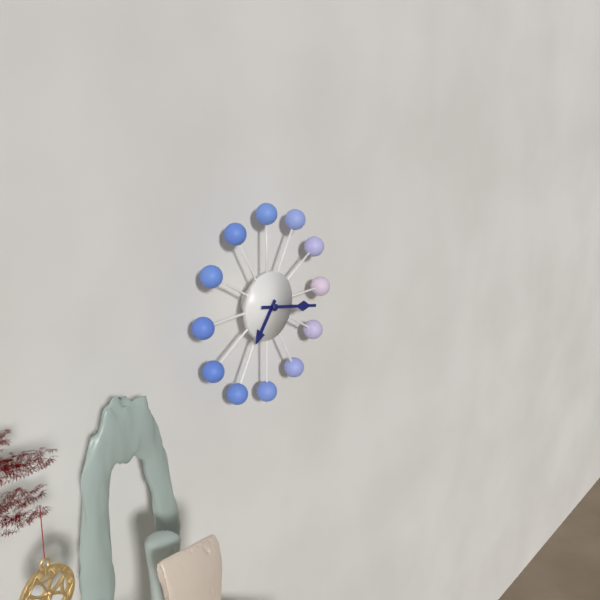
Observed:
7h17
